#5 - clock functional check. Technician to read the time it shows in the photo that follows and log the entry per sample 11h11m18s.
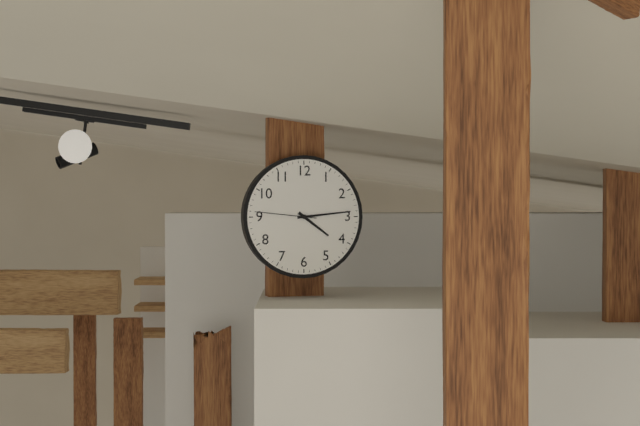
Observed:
4h14m46s
